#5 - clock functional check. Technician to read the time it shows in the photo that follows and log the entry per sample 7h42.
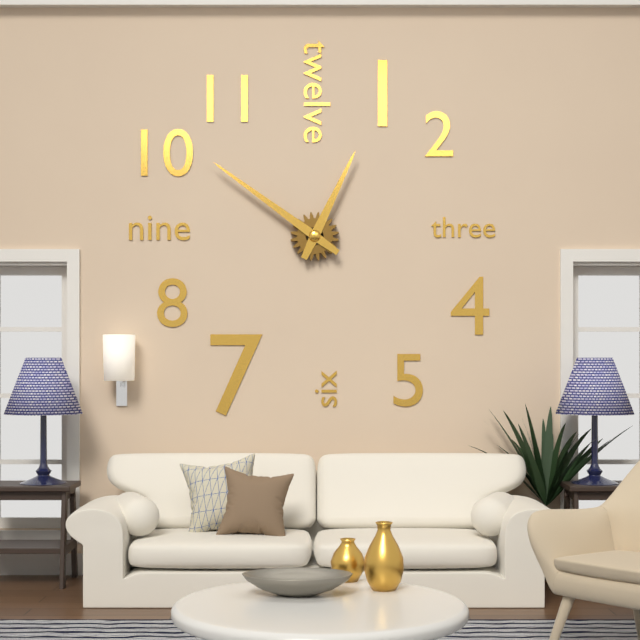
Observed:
12h51
